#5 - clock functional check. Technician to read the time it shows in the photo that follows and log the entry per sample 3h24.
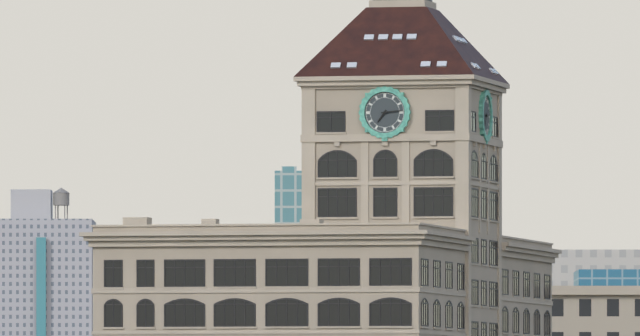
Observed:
7h14
